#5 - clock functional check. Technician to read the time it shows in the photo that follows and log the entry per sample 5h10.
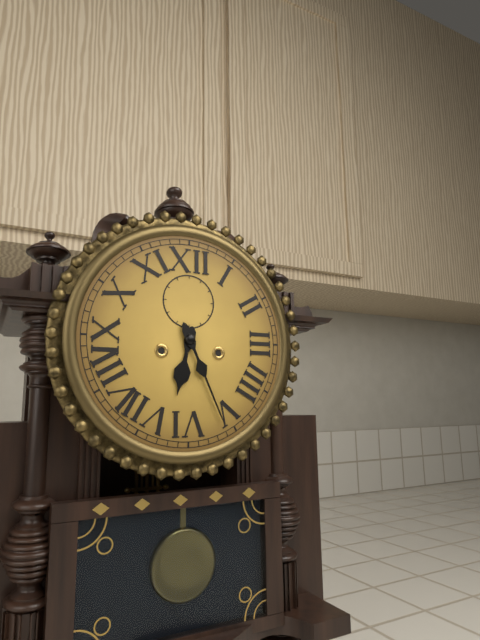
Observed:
6h26
